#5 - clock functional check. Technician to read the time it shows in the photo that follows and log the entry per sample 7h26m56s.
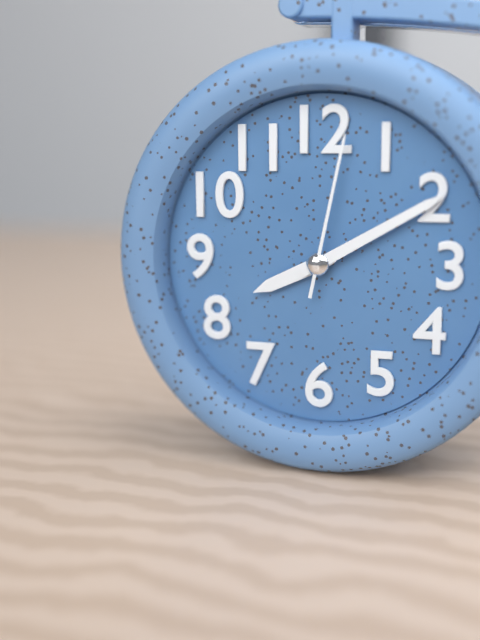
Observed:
8h10m02s
